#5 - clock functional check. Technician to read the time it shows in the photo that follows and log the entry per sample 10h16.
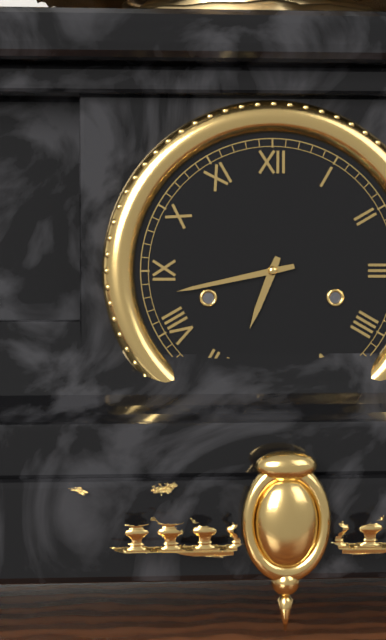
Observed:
6h43
